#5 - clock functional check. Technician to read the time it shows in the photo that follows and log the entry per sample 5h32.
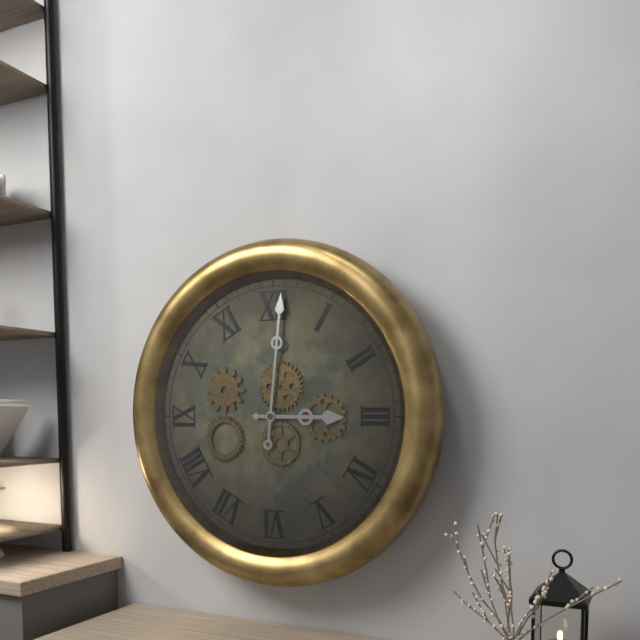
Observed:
3h01
